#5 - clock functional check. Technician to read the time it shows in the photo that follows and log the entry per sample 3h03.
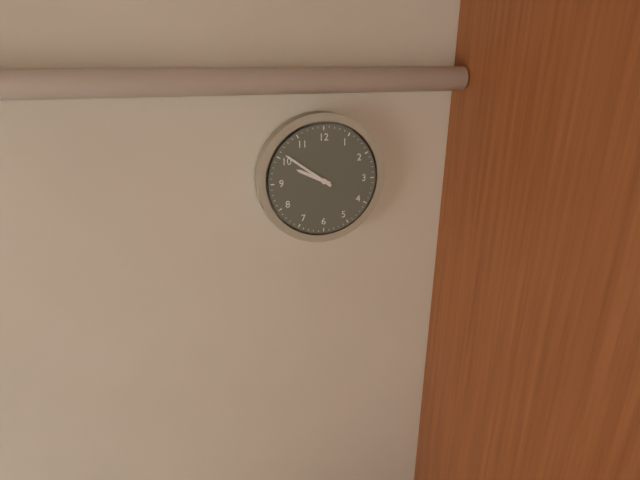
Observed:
9h51
